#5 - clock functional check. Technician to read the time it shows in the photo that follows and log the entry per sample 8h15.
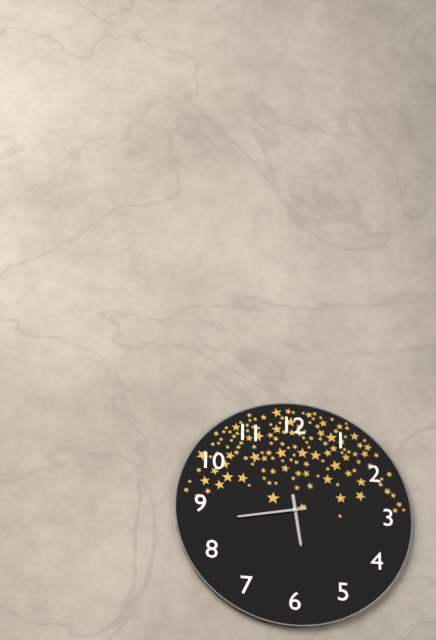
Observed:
5h43
